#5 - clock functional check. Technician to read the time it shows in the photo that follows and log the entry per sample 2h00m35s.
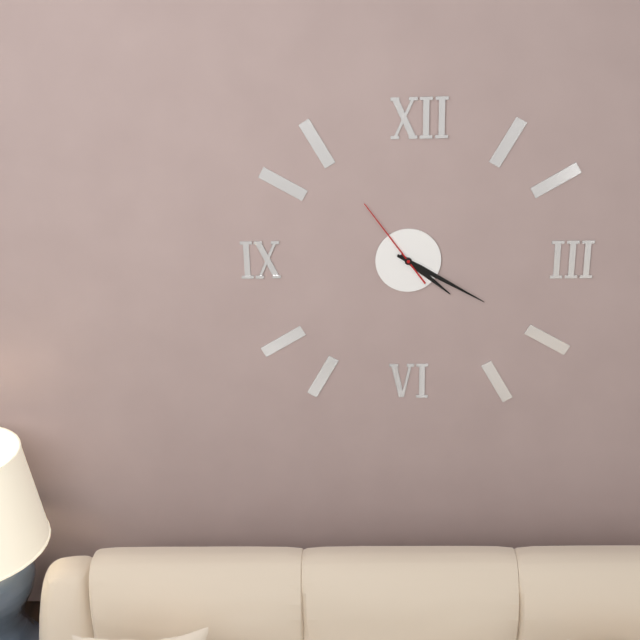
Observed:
4h20m54s
